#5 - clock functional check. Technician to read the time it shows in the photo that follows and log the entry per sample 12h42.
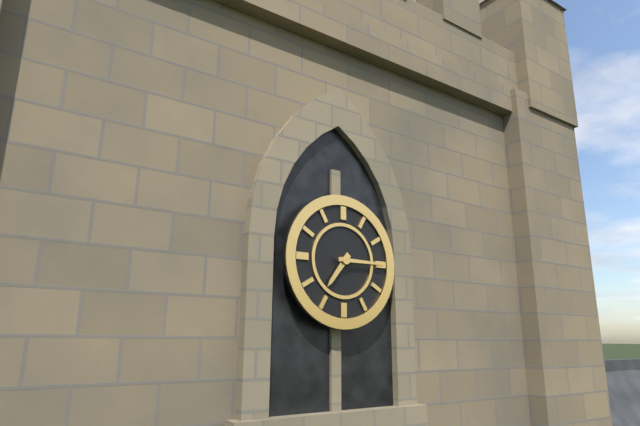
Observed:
7h15
